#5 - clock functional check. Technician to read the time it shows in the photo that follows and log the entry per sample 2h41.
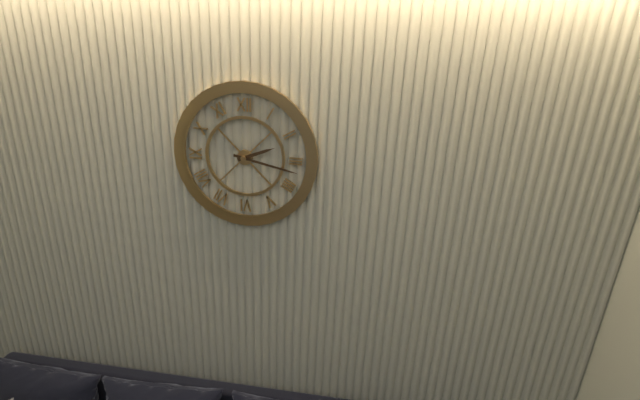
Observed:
2h17
